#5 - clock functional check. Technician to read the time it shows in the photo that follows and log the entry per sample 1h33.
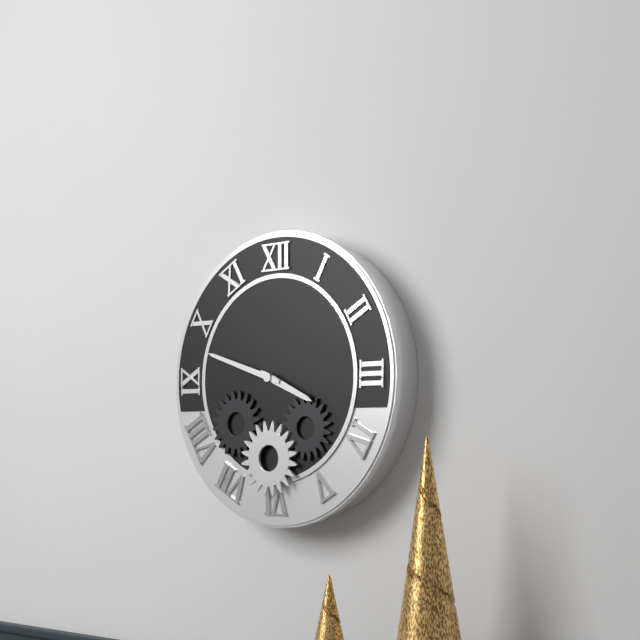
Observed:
3h48
